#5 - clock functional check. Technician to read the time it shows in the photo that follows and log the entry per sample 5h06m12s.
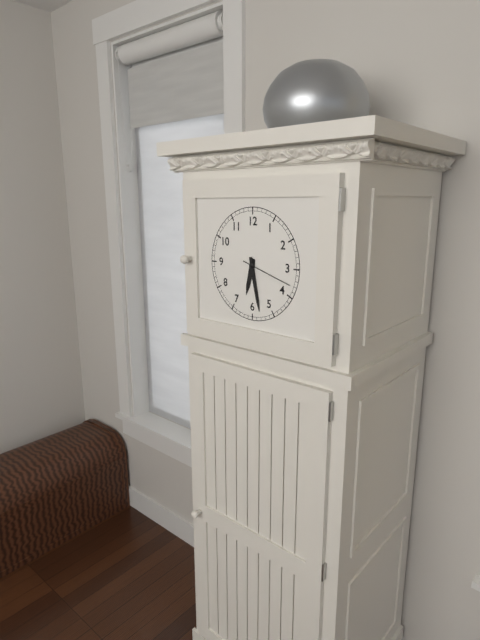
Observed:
6h28m18s
